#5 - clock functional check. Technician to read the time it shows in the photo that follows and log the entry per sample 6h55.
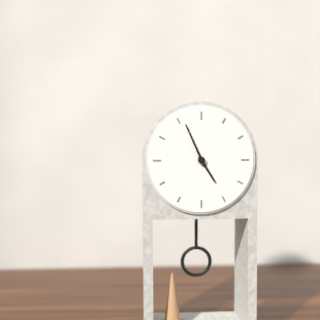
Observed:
4h56
